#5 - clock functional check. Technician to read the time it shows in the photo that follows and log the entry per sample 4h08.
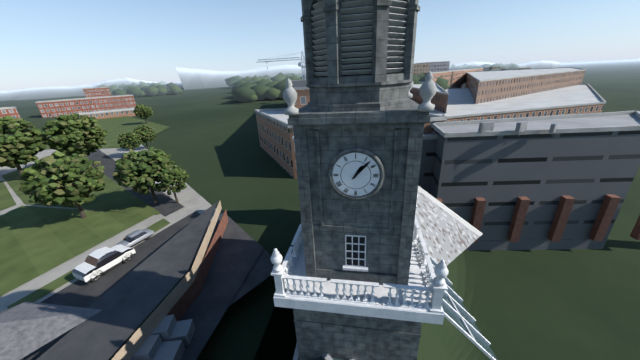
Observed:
1h07
